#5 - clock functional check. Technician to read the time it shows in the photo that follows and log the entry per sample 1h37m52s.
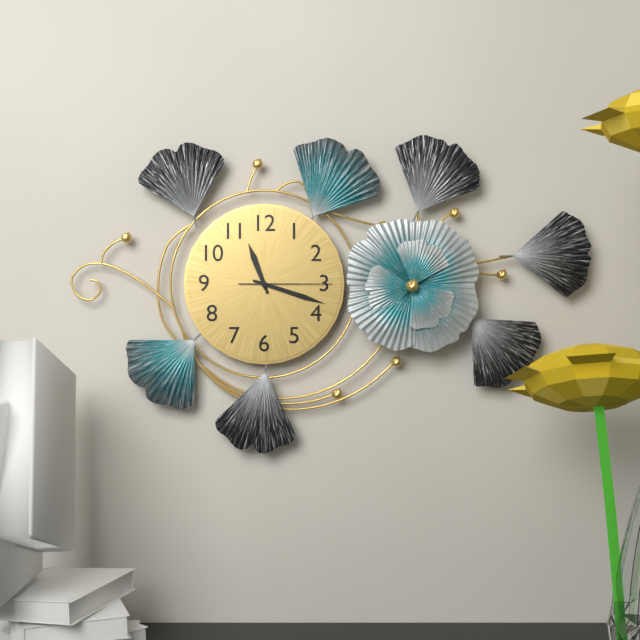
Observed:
11h18m15s
